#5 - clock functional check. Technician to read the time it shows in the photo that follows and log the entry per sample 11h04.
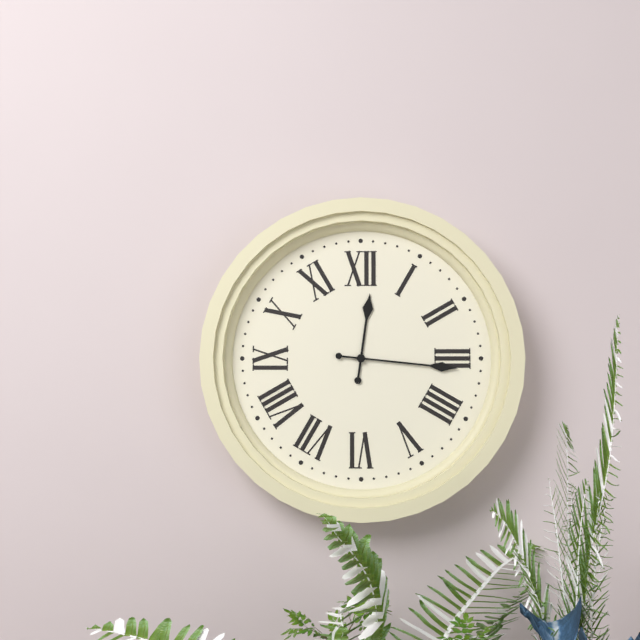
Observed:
12h16
